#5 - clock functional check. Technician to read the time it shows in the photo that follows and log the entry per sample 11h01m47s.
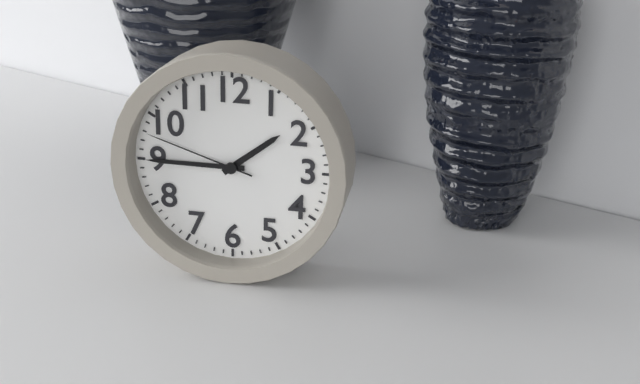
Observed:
1h45m48s
